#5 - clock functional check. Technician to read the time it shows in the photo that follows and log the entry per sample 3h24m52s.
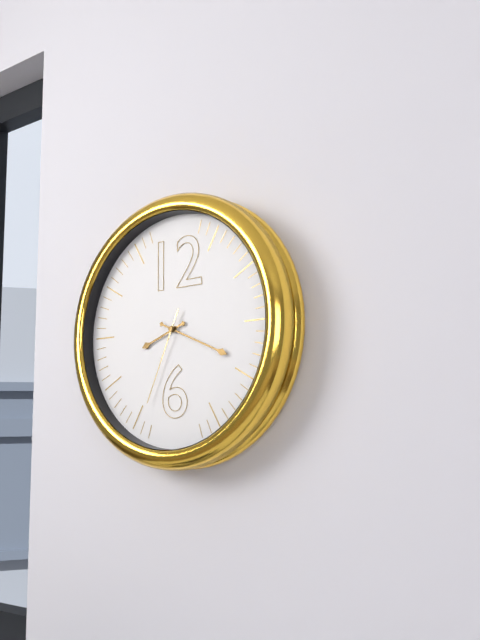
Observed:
8h19m34s
